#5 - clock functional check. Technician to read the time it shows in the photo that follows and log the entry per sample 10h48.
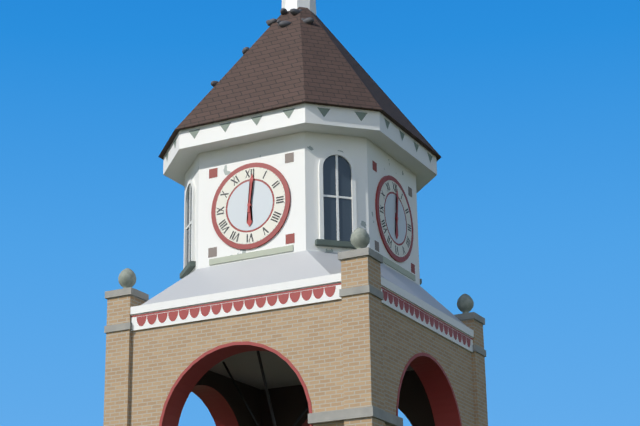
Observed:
6h01
